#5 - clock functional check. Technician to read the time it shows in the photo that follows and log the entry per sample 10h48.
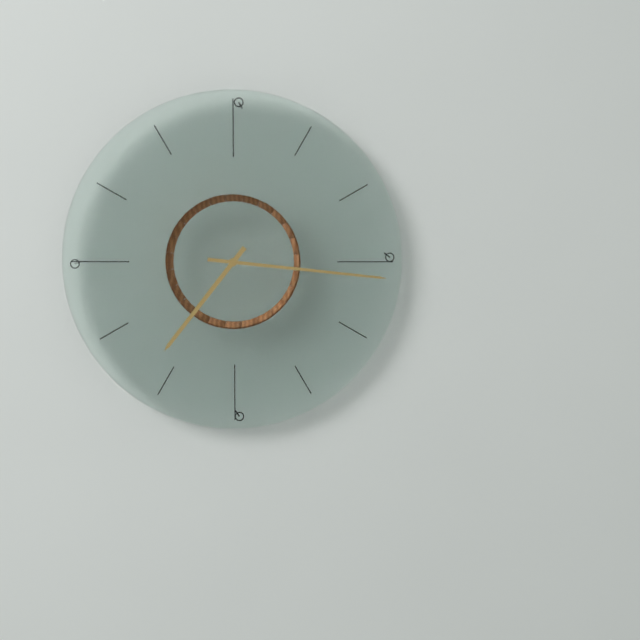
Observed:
7h16
